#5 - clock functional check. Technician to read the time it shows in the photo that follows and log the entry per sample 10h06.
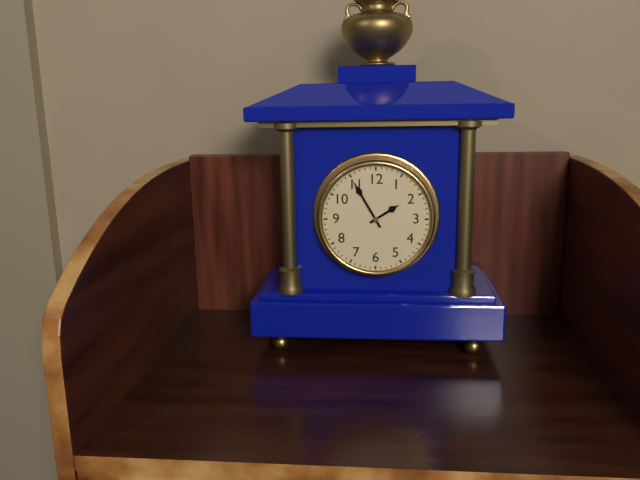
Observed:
1h55
